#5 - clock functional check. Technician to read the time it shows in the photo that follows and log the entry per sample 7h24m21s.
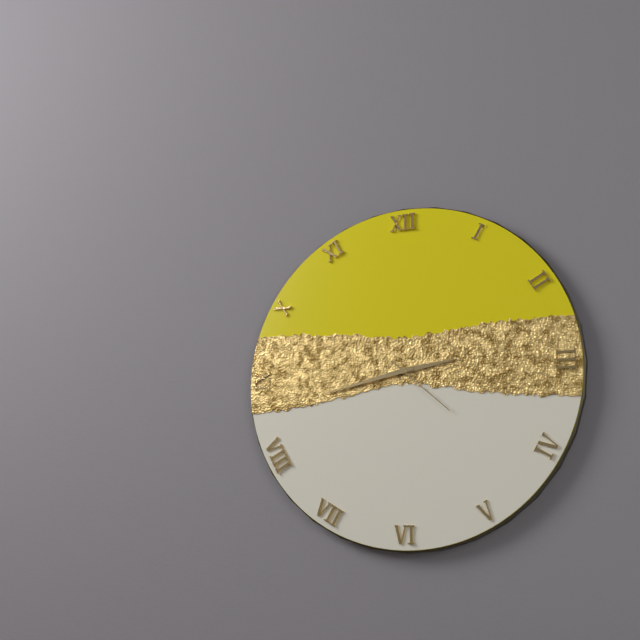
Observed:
2h43m22s
